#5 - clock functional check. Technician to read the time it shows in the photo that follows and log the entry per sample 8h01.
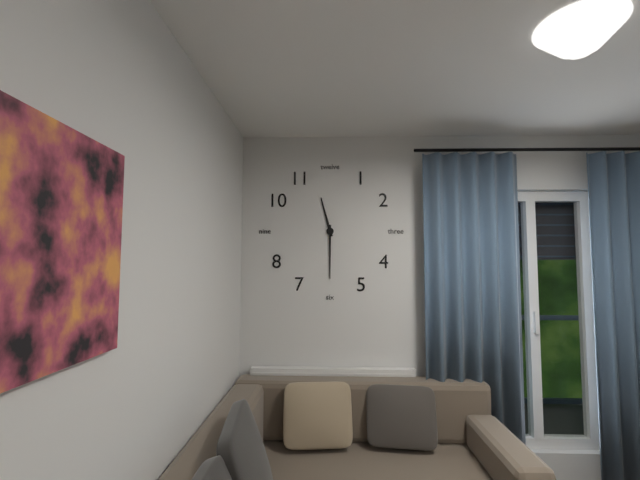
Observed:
11h30
